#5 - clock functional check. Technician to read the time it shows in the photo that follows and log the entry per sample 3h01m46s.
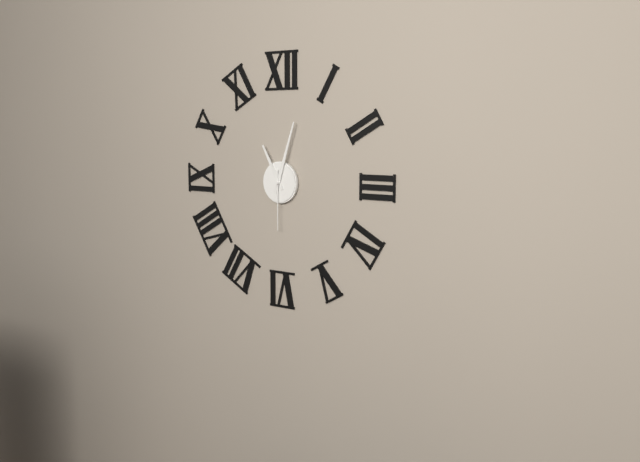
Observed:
11h03m30s
